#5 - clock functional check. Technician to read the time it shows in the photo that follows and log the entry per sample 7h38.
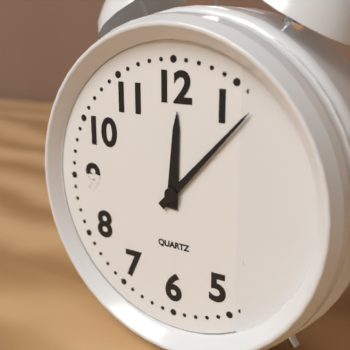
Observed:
12h07
